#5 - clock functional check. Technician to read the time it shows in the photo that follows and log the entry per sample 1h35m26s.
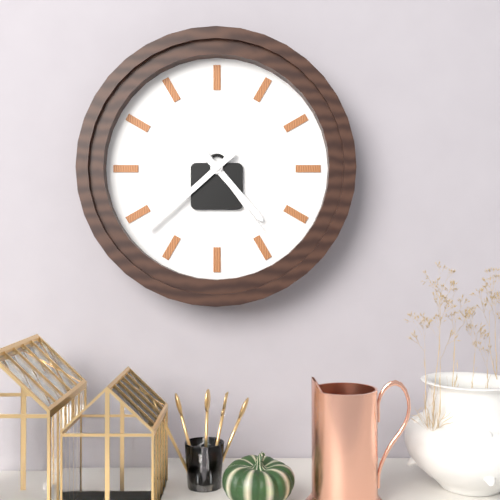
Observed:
4h38m24s
